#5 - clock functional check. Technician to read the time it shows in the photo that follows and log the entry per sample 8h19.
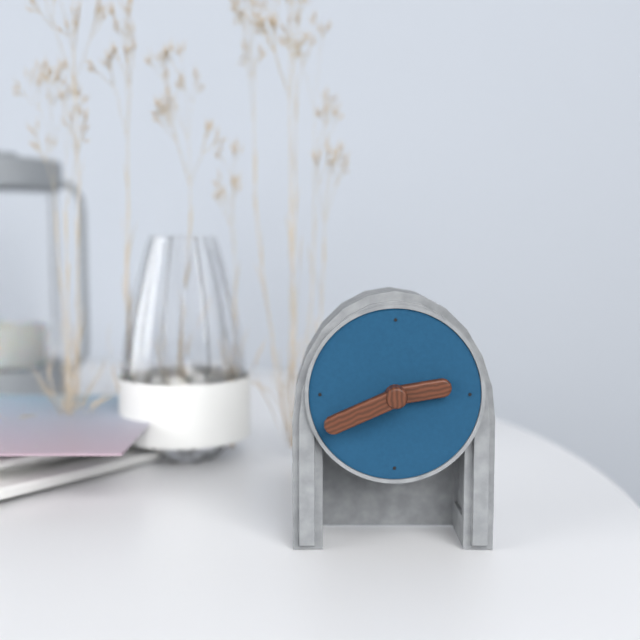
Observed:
2h41
